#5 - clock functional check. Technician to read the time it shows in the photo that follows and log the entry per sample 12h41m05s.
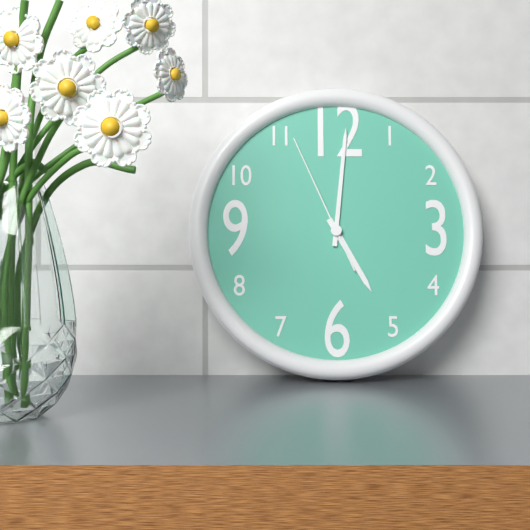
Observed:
5h01m56s
